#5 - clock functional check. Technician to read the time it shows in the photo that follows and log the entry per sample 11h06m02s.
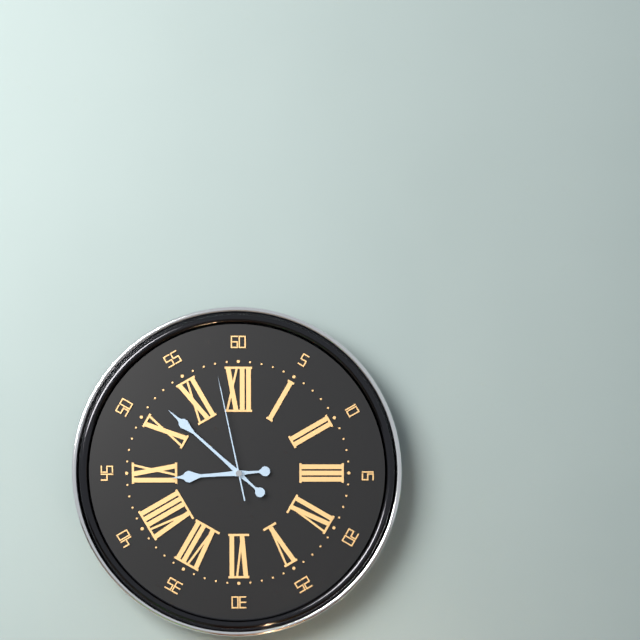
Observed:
8h52m58s
